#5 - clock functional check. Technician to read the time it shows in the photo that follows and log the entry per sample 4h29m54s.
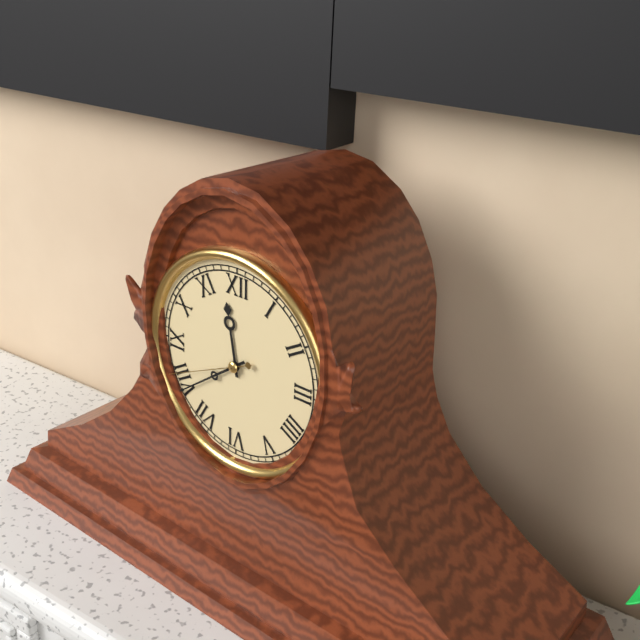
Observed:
11h39m41s
